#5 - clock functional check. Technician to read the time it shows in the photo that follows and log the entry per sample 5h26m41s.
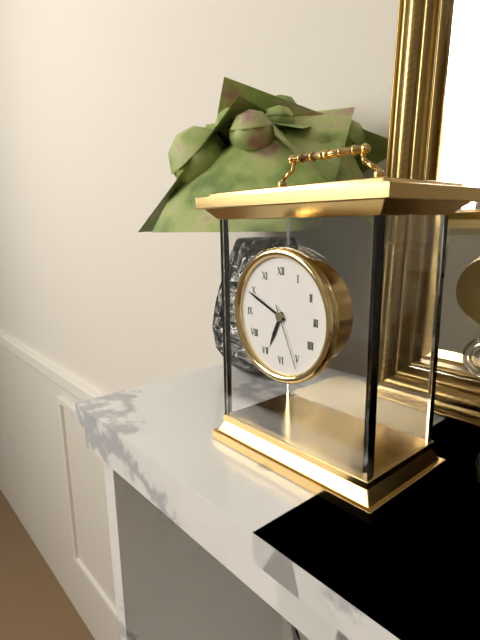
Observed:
6h49m26s
